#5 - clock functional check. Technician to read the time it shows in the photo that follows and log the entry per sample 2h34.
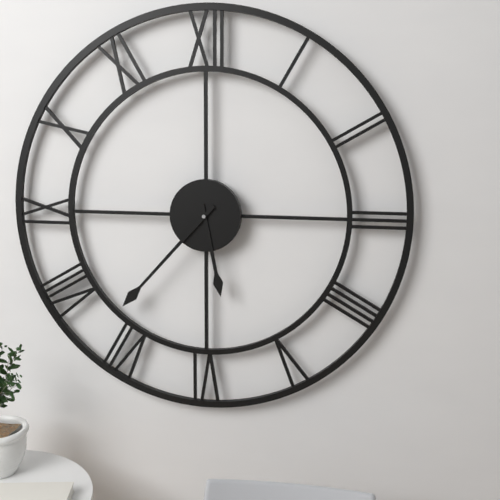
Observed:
5h37
